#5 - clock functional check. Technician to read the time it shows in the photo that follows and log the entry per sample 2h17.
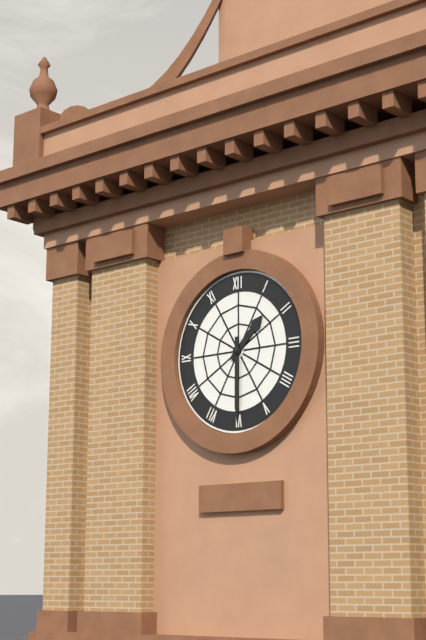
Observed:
1h30
